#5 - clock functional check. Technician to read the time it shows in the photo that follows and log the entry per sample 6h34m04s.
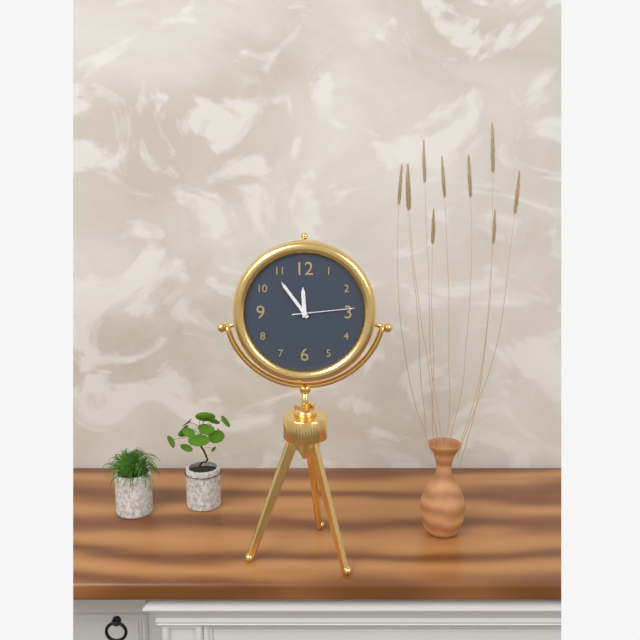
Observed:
11h54m14s
